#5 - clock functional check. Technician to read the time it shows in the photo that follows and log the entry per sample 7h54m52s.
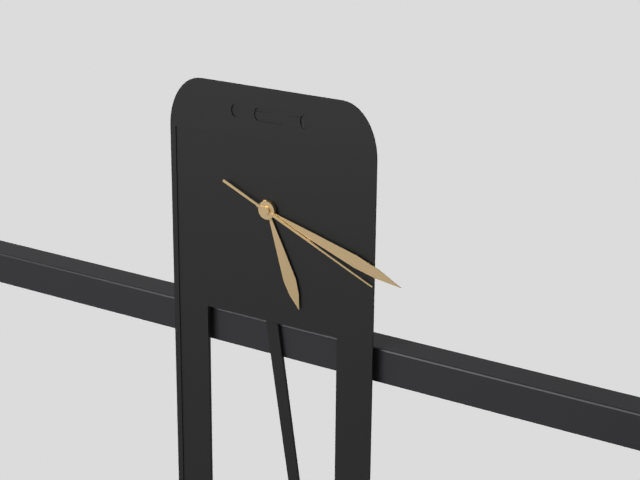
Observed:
5h18m19s
